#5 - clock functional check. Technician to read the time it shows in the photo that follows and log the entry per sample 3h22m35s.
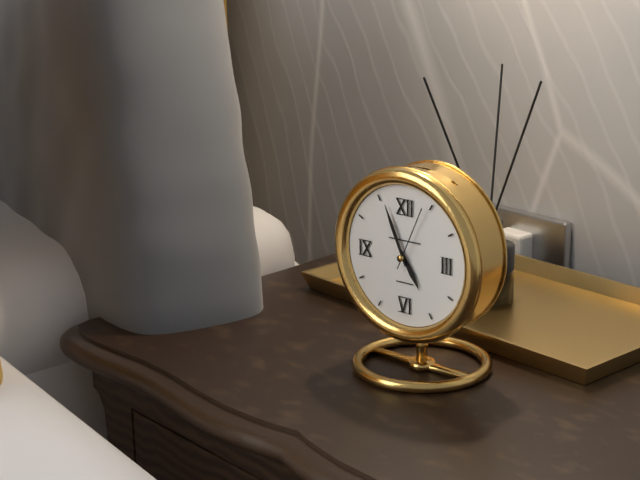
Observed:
4h56m04s
